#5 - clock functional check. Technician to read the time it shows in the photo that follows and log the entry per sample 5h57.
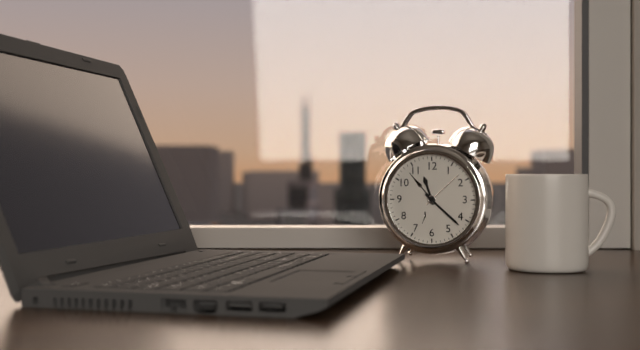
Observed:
11h22
